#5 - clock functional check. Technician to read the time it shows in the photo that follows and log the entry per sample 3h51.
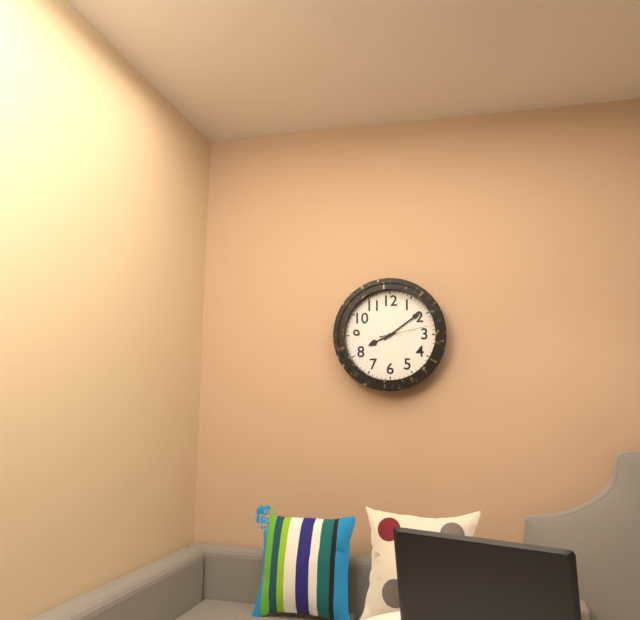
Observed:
8h09
